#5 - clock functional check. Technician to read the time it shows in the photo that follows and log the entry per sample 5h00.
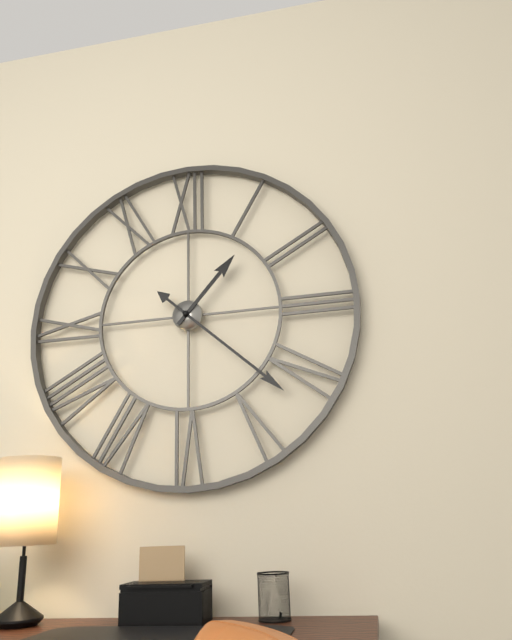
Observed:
1h22
